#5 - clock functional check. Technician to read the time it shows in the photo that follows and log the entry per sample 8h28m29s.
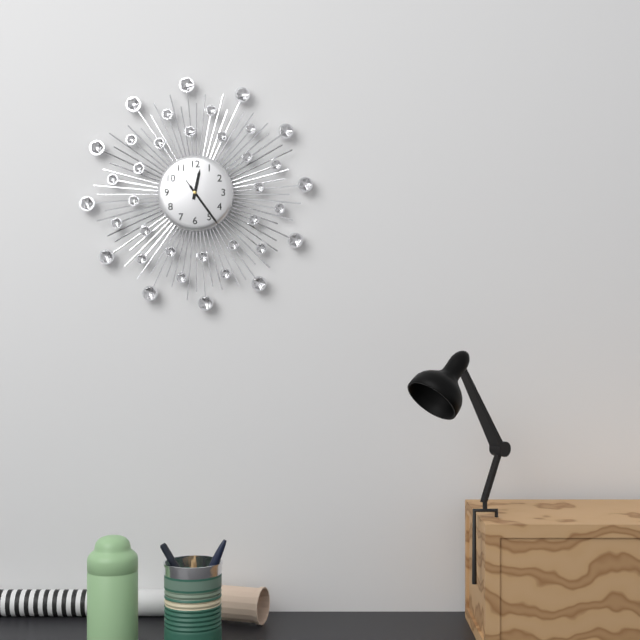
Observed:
12h24m24s
